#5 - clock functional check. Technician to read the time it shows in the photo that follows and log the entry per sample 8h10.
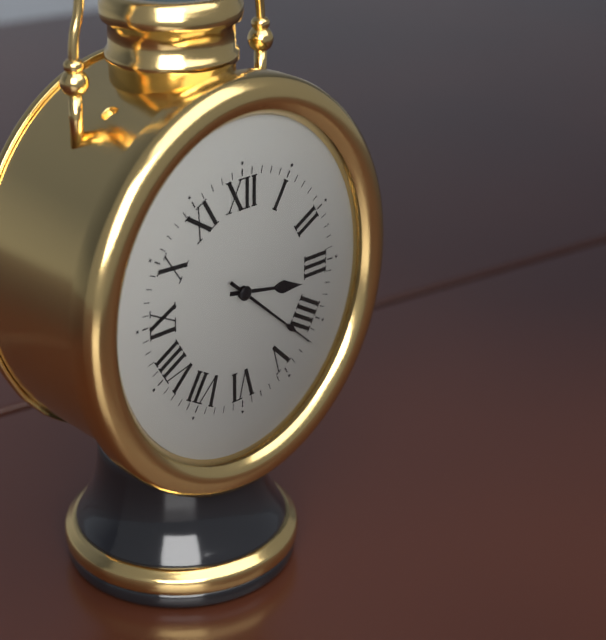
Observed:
3h22
